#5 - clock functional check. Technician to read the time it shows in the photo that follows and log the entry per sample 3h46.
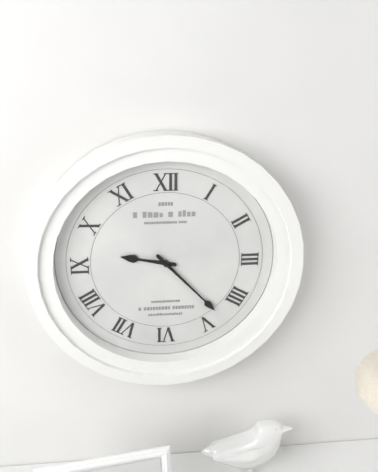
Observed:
9h23
